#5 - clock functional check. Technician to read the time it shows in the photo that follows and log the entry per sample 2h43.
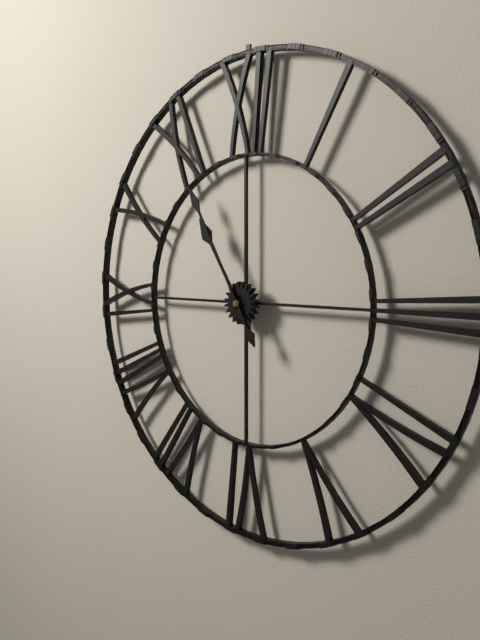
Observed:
10h55
